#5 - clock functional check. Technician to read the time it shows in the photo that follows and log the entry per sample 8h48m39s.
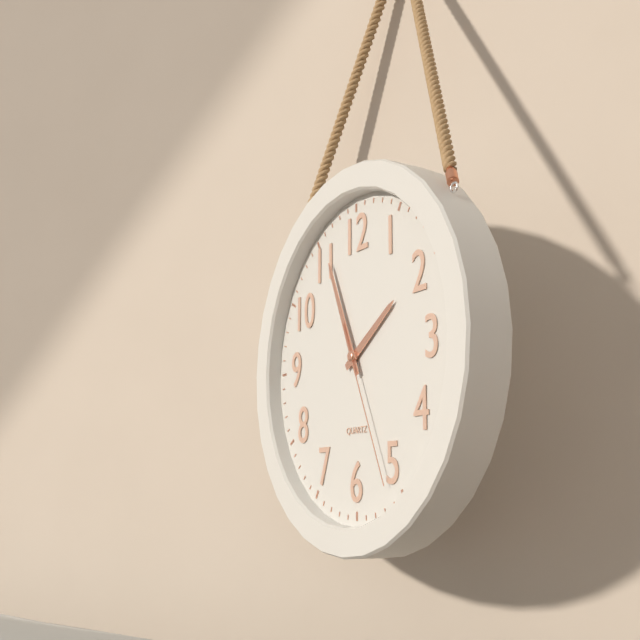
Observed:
1h56m26s
